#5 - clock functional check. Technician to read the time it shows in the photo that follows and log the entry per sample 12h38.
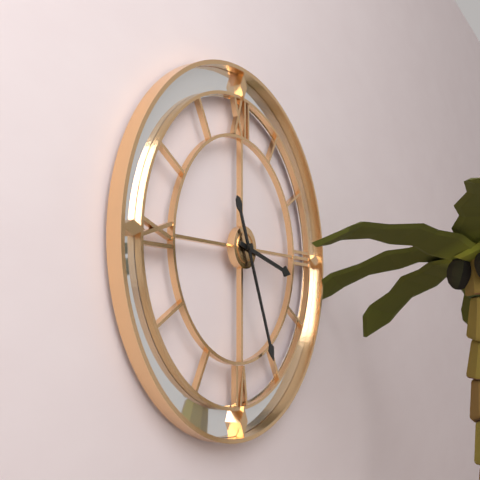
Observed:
3h26
